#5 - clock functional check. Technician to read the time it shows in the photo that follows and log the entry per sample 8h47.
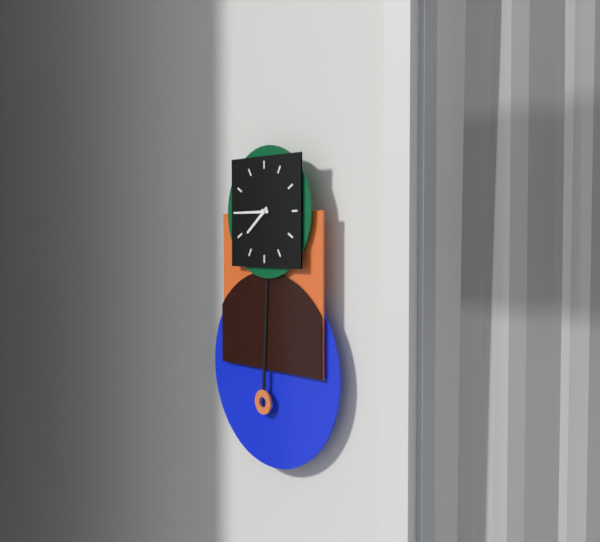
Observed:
7h45
